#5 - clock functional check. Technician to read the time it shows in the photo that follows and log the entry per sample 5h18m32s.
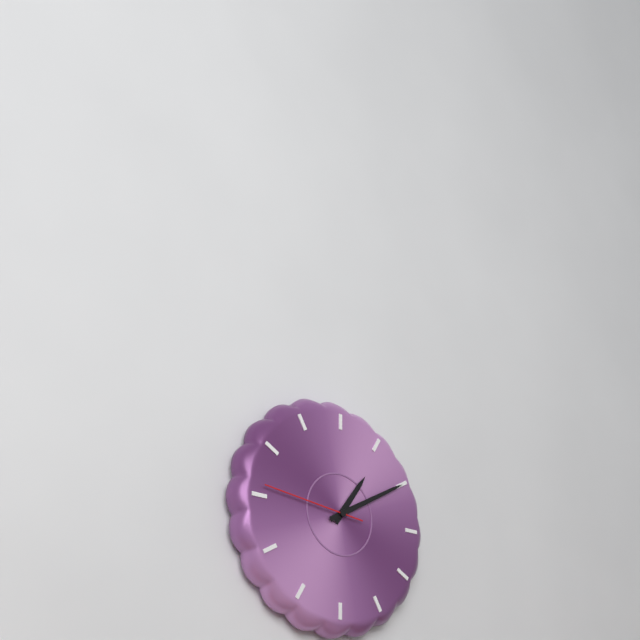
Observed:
1h10m46s
